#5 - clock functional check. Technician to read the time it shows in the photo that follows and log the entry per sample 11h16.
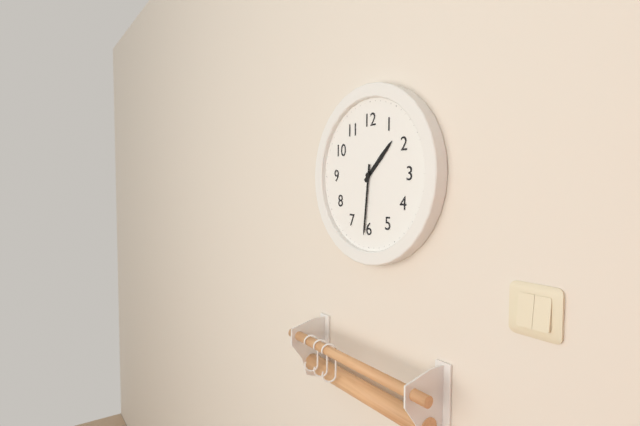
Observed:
1h31
